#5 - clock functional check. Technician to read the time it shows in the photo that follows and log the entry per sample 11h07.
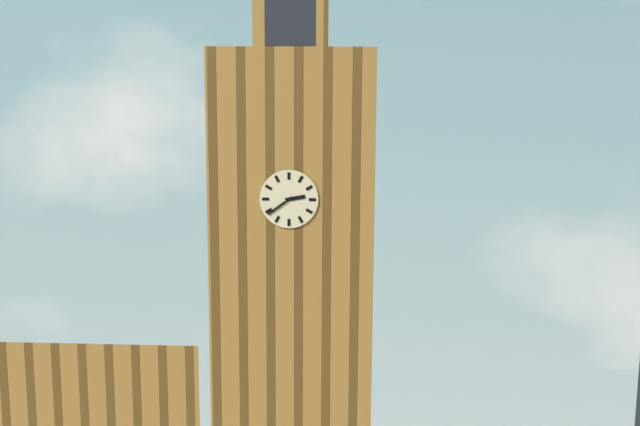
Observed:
2h39
